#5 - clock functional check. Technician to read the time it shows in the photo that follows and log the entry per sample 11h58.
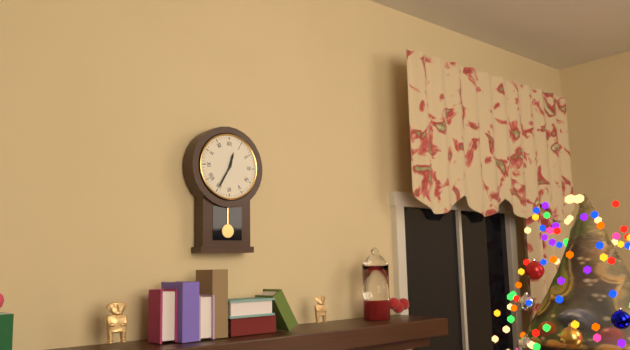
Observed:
12h35
